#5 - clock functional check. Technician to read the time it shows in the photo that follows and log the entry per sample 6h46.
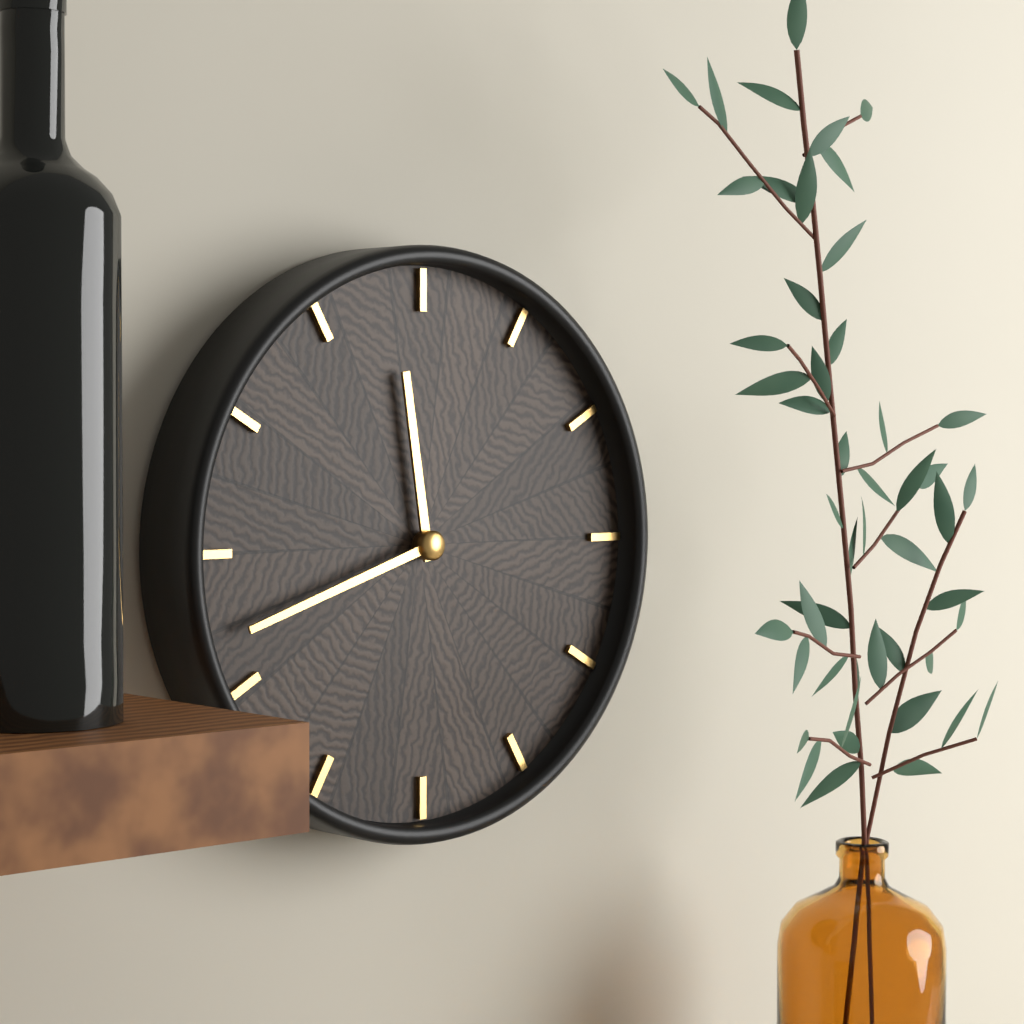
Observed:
11h42
